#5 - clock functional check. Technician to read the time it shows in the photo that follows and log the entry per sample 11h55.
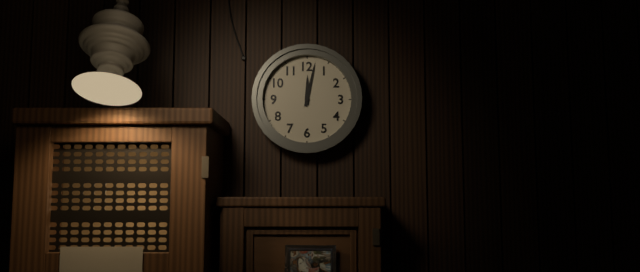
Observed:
12h02
